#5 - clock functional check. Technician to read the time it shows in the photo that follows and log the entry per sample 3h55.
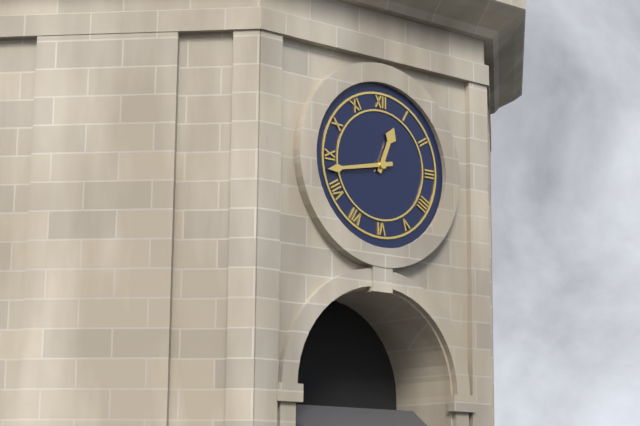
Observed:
12h43
